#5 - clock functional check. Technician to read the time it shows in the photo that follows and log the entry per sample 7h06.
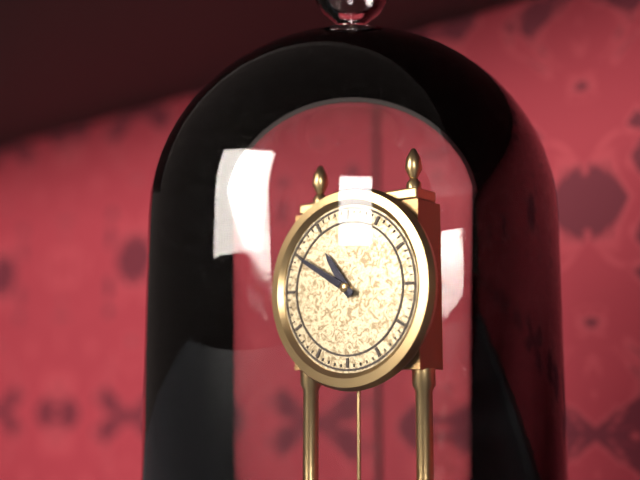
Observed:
10h50
